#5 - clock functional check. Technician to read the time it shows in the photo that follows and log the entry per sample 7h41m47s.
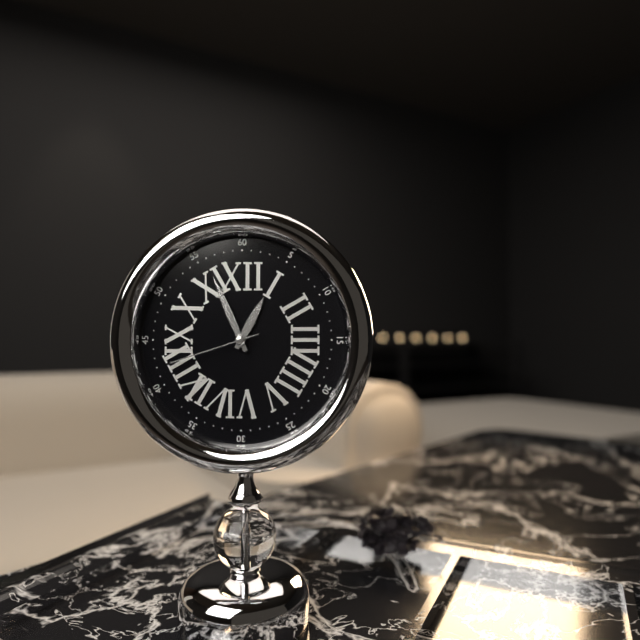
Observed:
12h56m42s
